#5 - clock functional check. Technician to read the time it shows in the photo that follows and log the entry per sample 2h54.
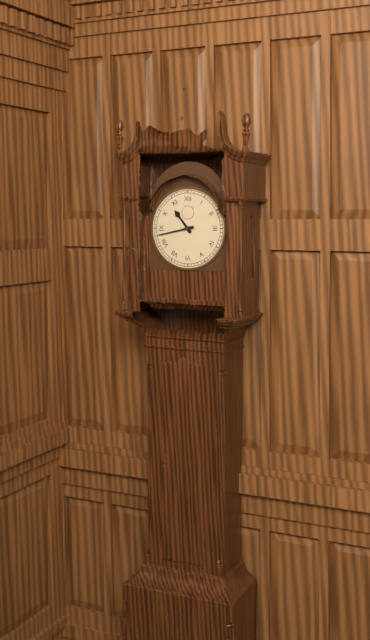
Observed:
10h43
